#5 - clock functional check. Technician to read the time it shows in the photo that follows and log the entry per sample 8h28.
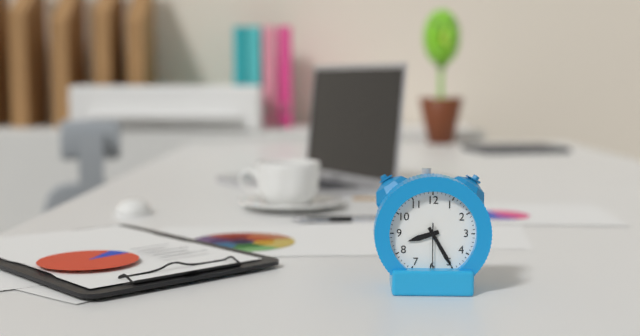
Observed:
8h25
